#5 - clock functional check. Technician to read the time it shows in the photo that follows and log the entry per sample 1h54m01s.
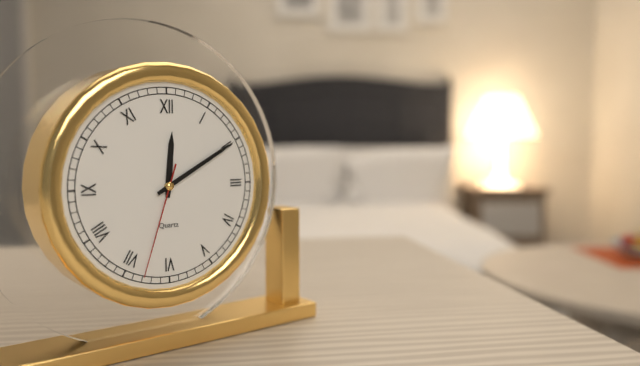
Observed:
12h10m33s
